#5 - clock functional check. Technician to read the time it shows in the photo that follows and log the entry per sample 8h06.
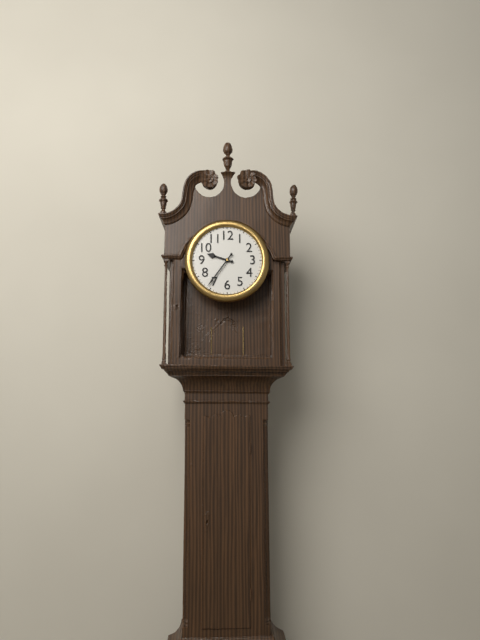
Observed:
9h36
